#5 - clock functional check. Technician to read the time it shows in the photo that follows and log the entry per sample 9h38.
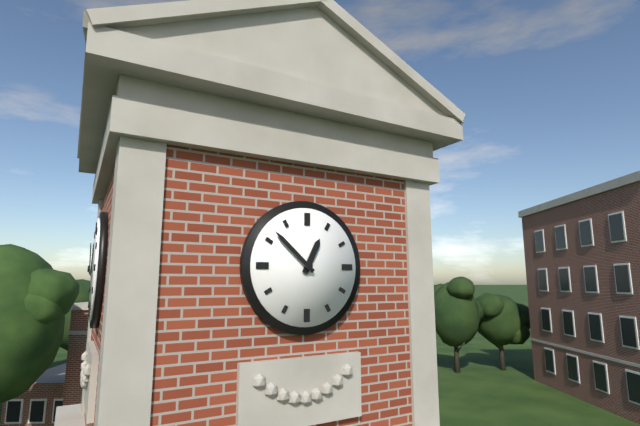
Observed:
12h52
